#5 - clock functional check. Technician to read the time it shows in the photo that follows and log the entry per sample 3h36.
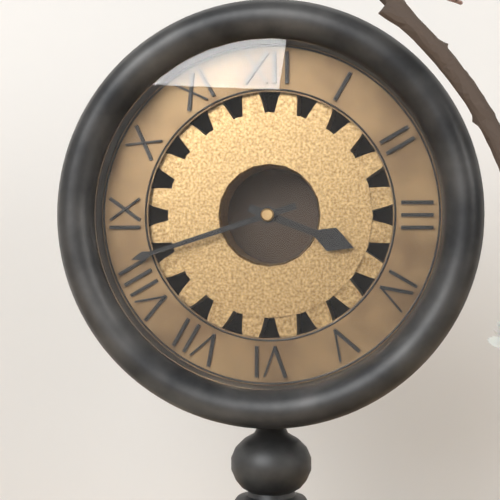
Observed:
3h42
